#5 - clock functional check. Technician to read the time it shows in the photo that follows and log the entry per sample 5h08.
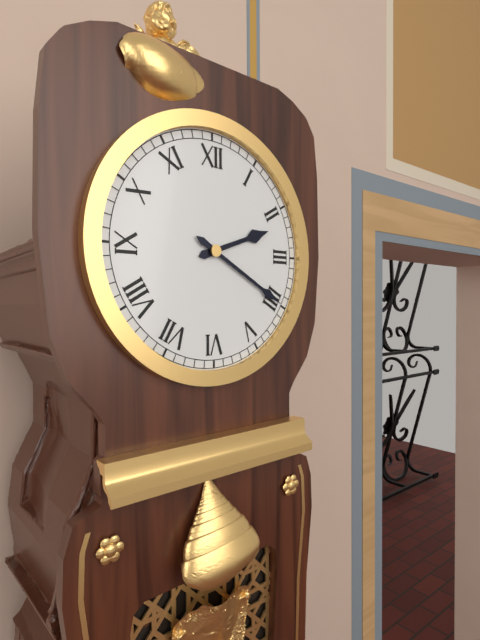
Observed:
2h20
